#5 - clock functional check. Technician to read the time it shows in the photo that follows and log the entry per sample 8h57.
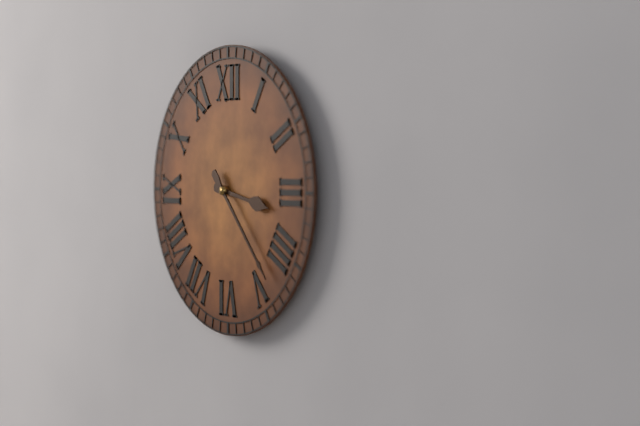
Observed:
3h23
